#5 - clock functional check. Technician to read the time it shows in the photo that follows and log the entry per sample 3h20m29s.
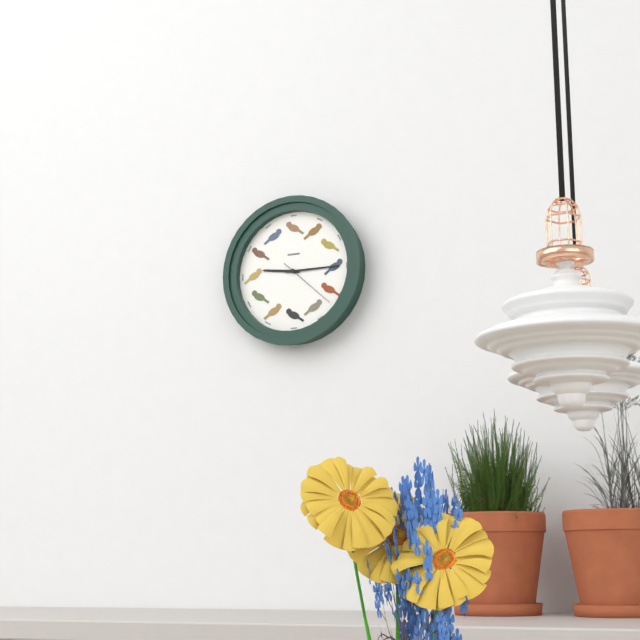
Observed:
9h15m22s
